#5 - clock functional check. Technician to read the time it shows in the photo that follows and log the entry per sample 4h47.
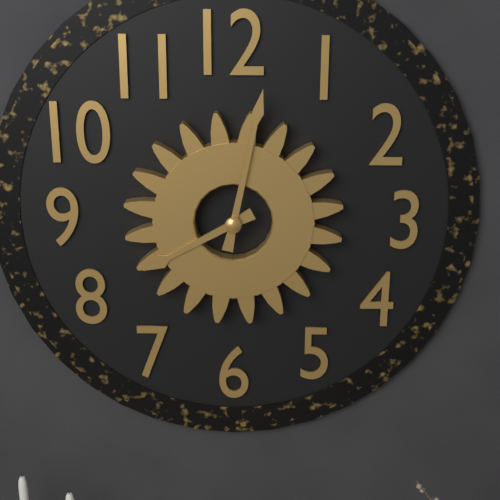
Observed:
8h02
